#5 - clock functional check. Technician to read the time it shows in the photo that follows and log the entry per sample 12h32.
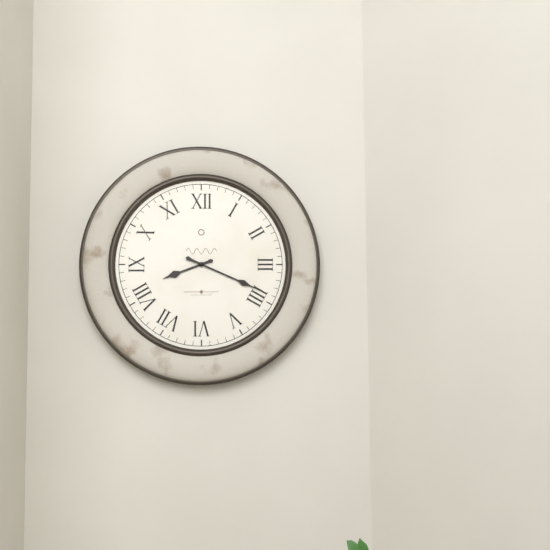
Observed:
8h19
